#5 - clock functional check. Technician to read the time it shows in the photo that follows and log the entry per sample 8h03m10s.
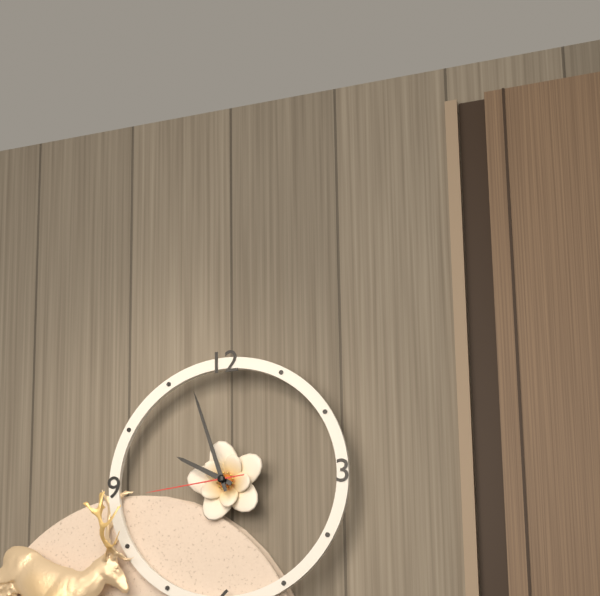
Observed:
9h57m44s
